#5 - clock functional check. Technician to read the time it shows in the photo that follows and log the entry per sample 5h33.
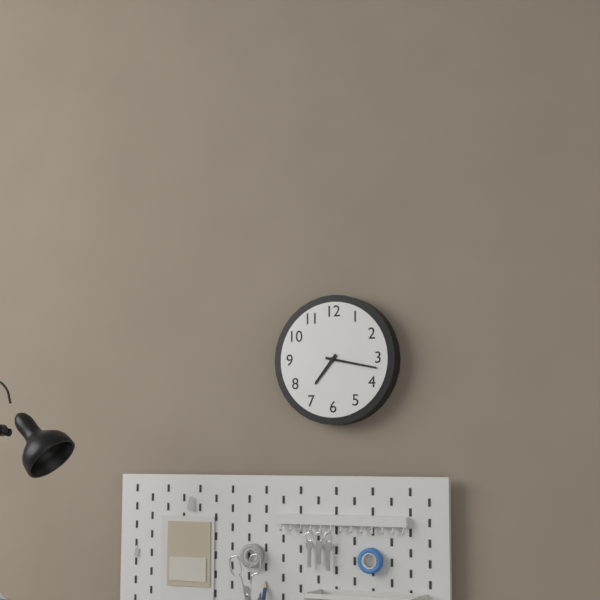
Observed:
7h17
